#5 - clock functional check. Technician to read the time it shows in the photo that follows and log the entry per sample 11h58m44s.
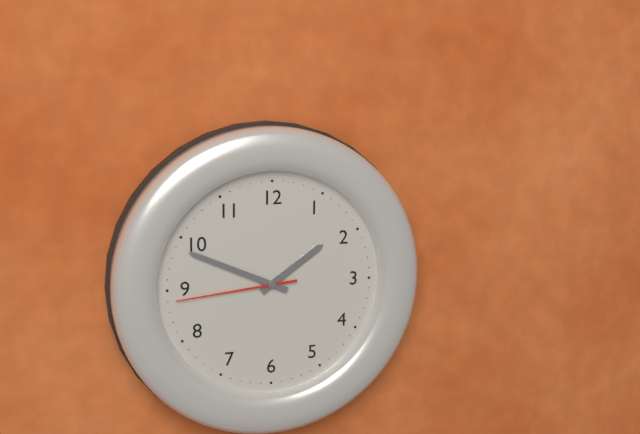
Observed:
1h49m44s
